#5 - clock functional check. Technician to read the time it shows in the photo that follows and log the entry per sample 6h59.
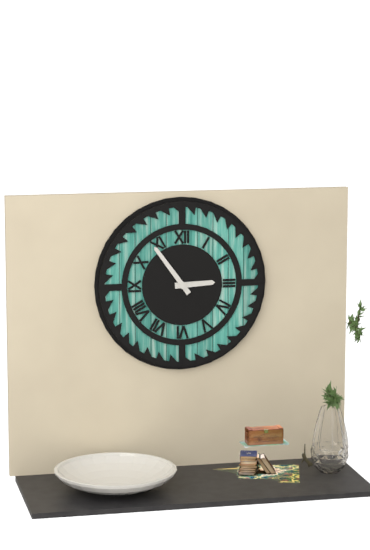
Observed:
2h54
